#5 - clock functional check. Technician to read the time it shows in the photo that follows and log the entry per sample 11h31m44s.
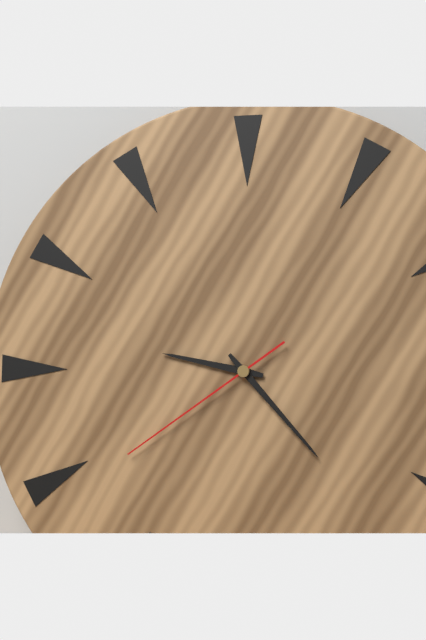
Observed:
9h23m39s
